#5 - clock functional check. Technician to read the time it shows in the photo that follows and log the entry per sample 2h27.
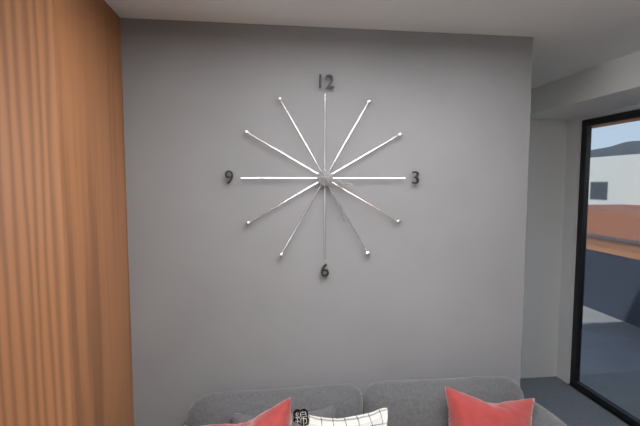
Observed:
3h26
